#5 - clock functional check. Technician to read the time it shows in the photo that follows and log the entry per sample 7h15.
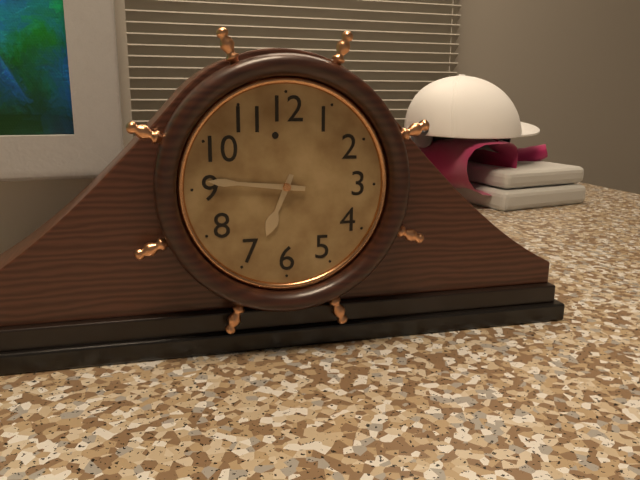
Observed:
6h46
